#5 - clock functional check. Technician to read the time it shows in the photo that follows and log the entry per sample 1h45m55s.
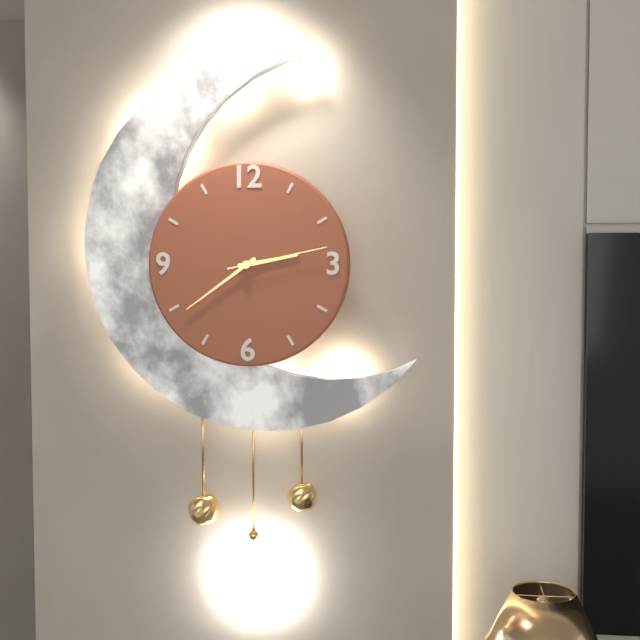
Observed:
2h39m13s
